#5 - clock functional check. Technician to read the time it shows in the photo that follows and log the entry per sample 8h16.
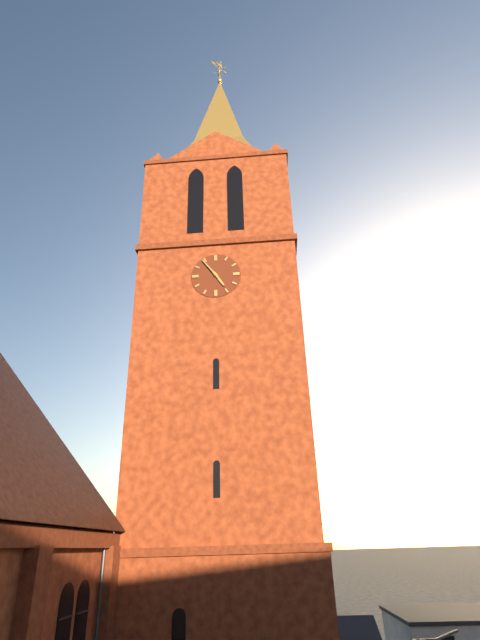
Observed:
4h54
